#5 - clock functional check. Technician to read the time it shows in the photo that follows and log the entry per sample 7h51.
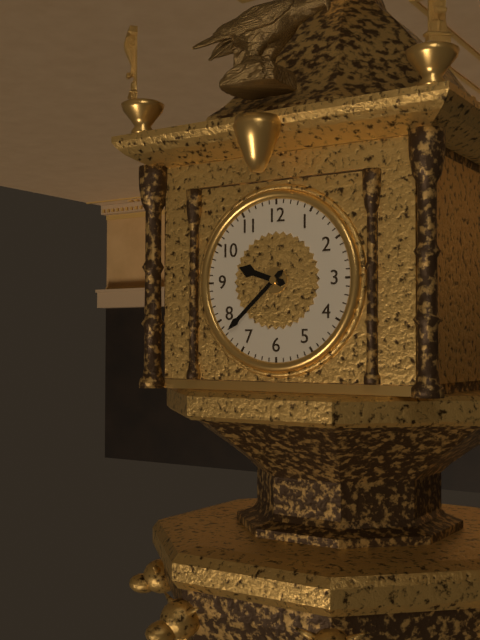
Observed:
9h38
